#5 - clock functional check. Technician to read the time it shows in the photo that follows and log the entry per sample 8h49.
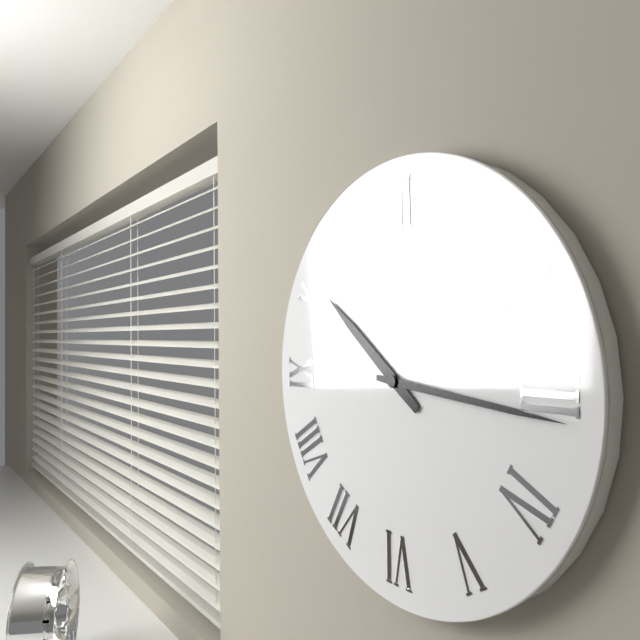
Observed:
10h16
